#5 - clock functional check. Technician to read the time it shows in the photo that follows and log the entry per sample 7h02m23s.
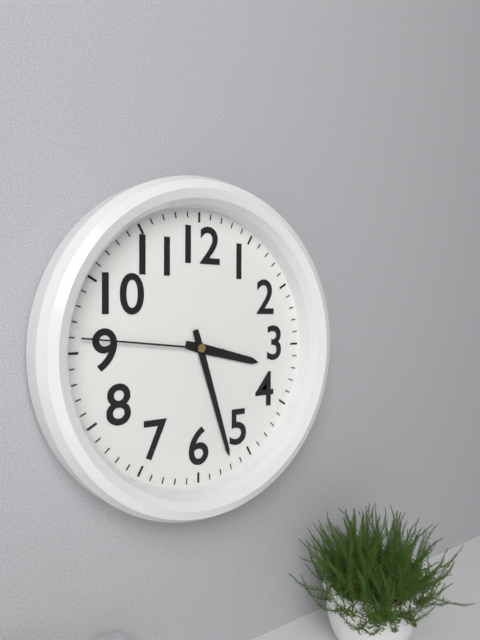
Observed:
3h27m46s
